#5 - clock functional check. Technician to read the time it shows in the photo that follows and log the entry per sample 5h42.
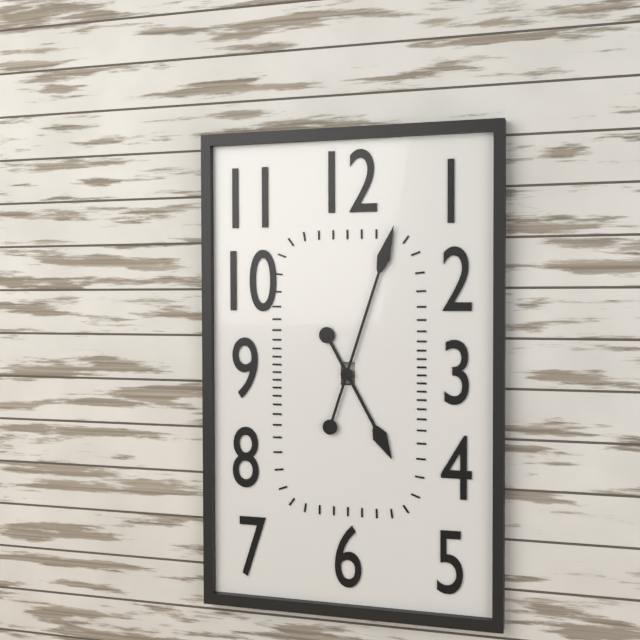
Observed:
5h03
